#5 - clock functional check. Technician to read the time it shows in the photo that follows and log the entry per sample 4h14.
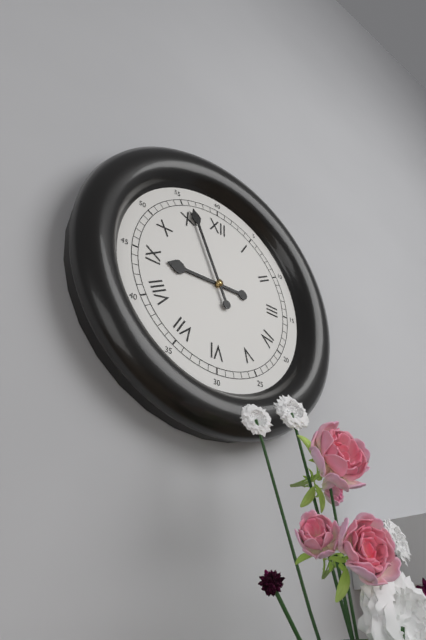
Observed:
8h56
